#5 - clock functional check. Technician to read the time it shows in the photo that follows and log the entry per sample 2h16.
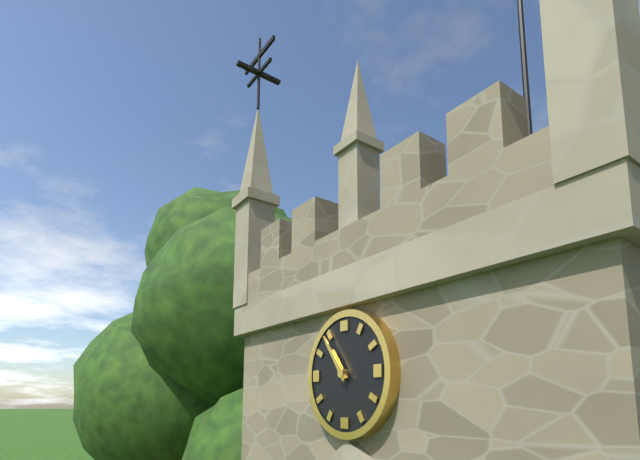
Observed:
10h54
